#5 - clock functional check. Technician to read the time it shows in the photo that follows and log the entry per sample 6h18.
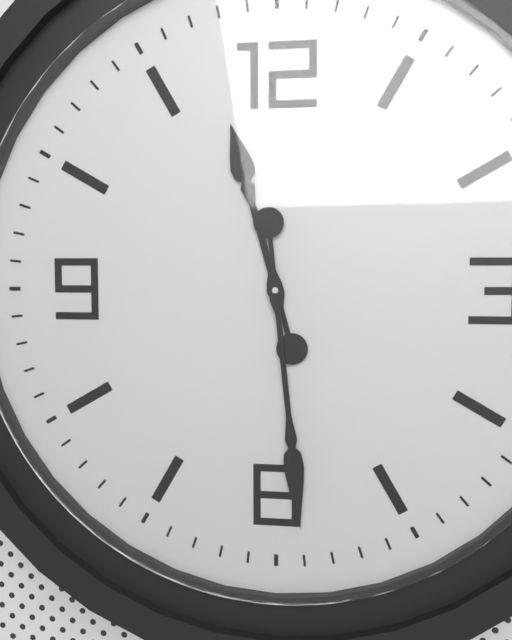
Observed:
11h29
